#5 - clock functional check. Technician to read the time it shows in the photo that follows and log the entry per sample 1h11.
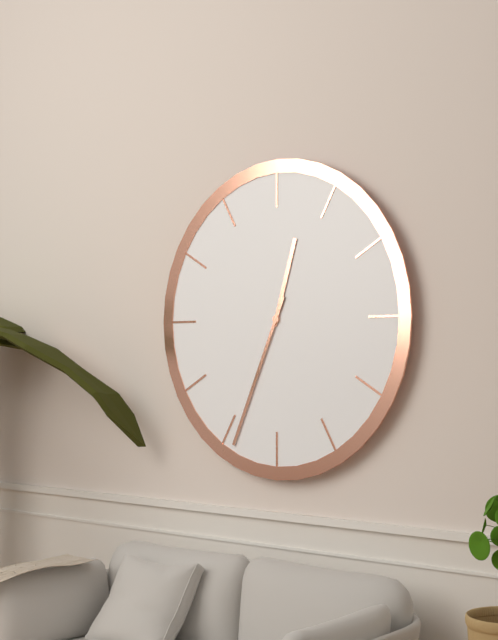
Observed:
12h34
